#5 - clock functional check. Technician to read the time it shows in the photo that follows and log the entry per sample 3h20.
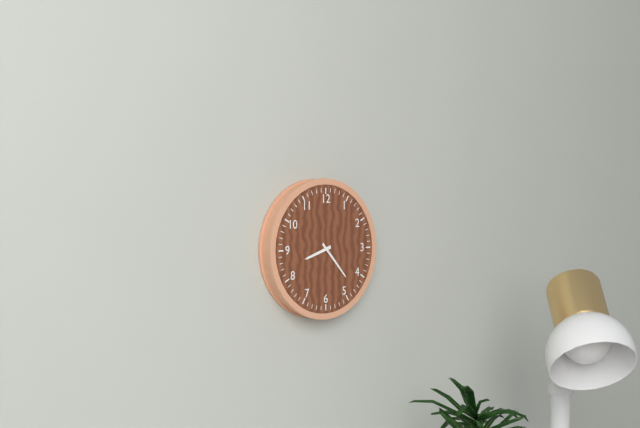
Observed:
8h23
